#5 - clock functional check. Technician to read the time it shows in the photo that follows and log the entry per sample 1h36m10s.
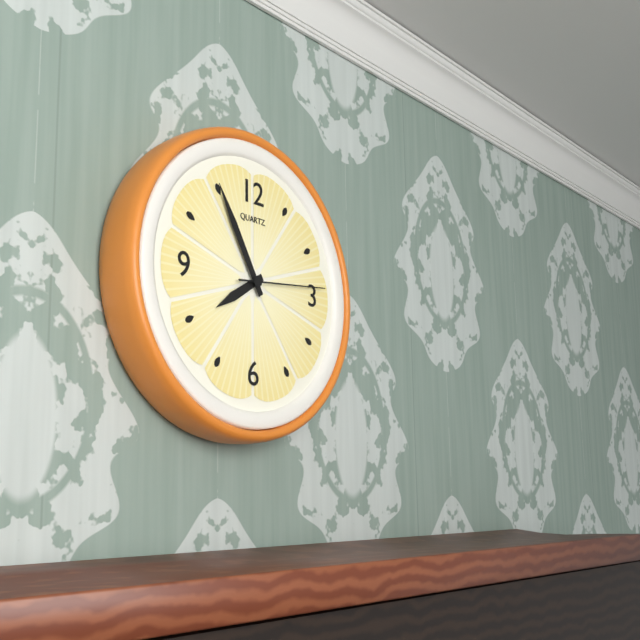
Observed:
7h55m14s
